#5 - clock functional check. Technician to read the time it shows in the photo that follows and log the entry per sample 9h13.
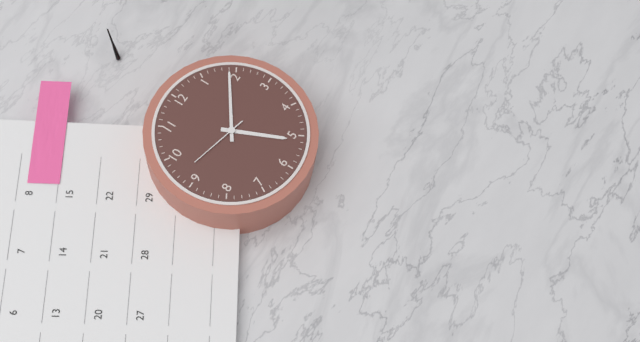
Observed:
5h09
